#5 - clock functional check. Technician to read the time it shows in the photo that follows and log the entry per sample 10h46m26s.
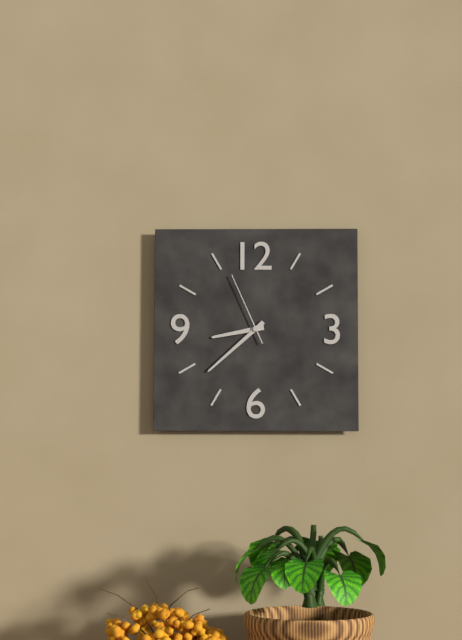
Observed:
8h38m56s
